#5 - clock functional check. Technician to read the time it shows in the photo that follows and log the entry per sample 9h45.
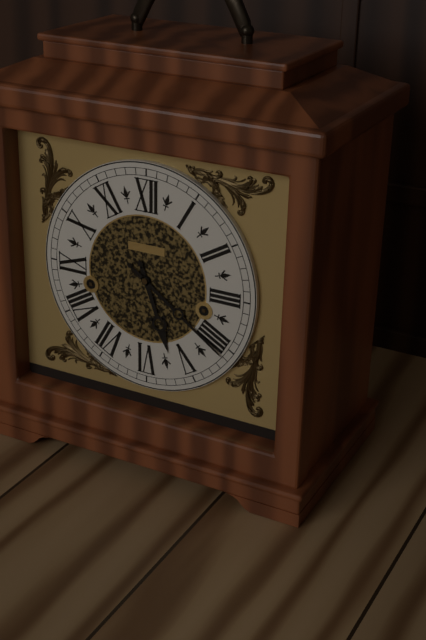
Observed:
5h21
